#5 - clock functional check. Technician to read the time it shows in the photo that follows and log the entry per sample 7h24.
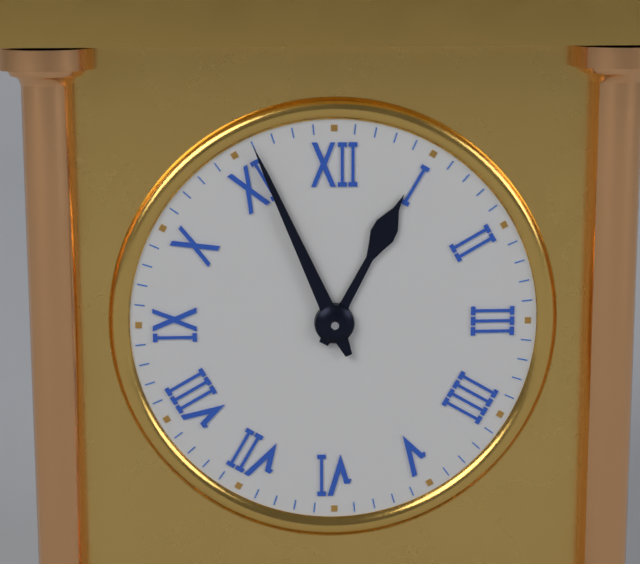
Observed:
12h56
